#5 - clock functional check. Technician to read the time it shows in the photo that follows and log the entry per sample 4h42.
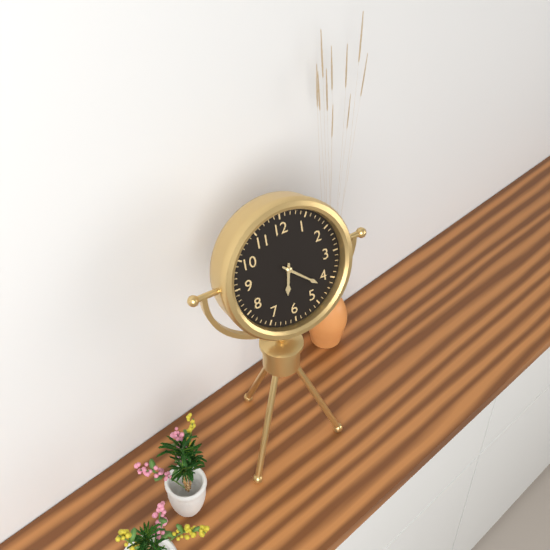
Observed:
6h22
